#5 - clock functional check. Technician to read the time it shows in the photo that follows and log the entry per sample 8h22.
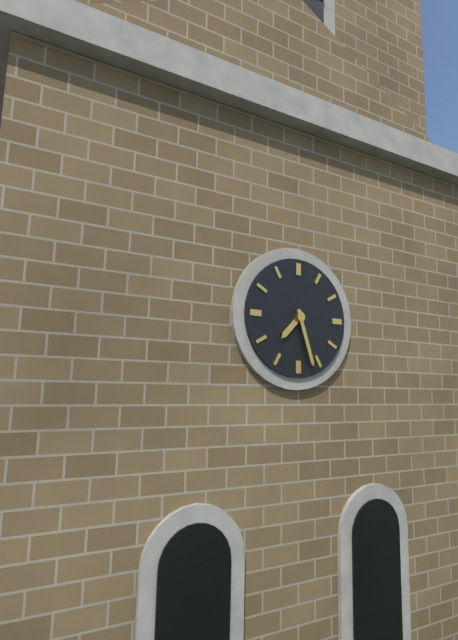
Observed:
7h27
